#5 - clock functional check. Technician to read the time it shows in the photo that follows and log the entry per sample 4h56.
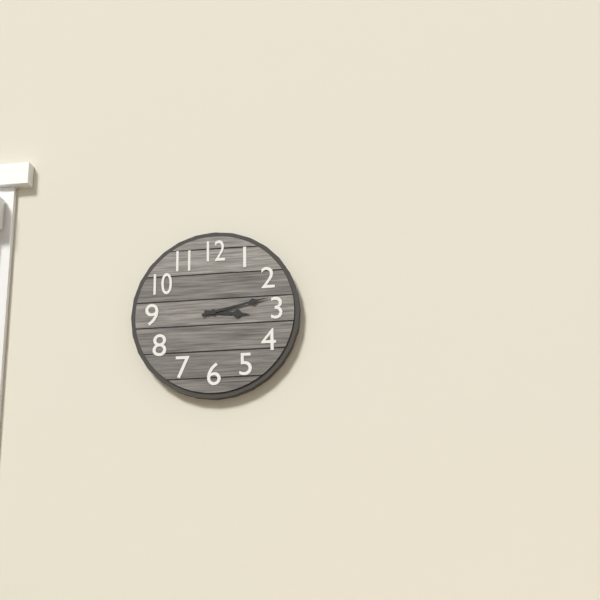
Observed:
3h13
